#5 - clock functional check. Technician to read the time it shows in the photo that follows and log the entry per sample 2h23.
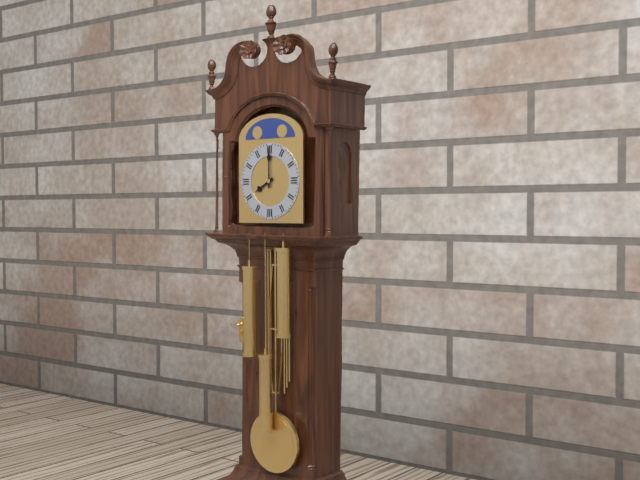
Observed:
8h00
